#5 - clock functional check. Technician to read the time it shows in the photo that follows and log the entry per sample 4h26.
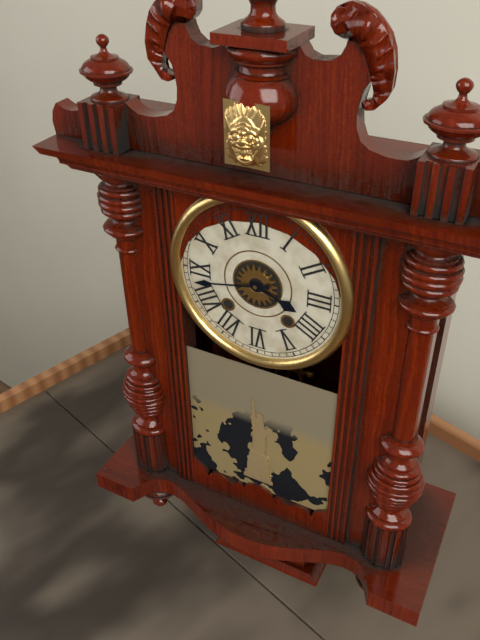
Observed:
3h43
